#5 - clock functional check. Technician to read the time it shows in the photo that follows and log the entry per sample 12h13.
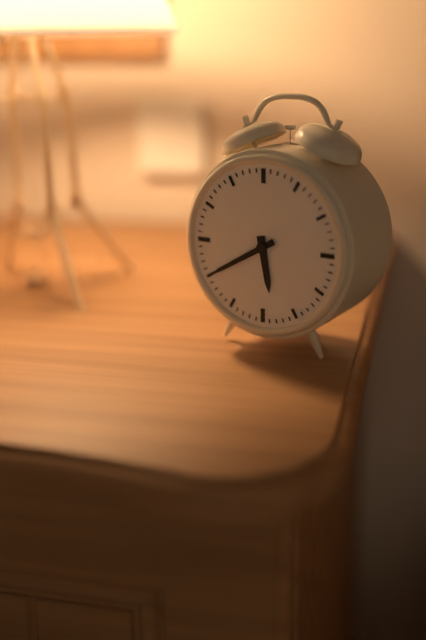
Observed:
5h40
